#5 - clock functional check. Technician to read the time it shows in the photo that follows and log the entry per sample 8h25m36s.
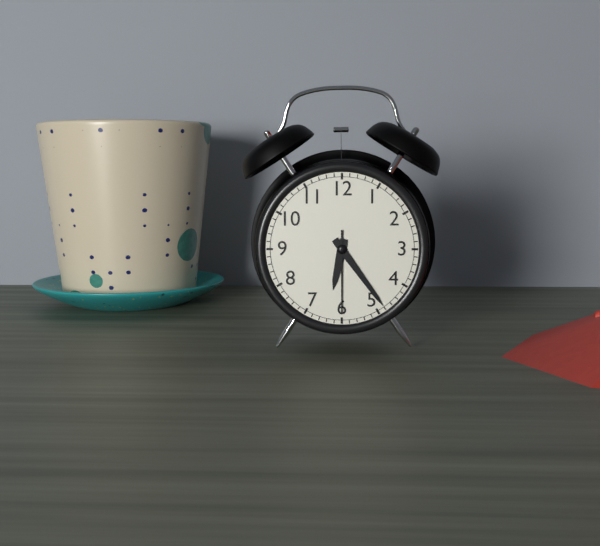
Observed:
6h24m30s
